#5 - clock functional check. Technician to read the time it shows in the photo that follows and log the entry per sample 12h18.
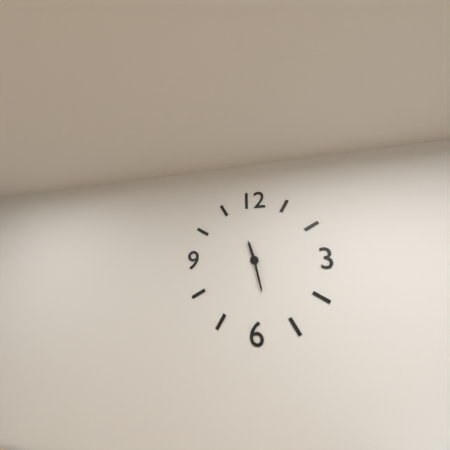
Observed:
11h28
